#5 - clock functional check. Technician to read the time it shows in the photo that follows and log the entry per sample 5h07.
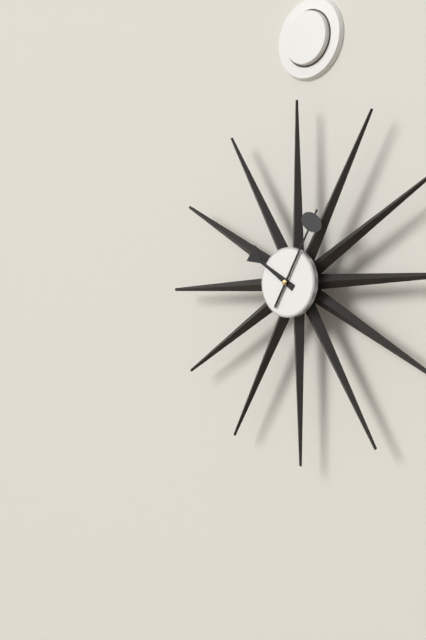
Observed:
10h05
